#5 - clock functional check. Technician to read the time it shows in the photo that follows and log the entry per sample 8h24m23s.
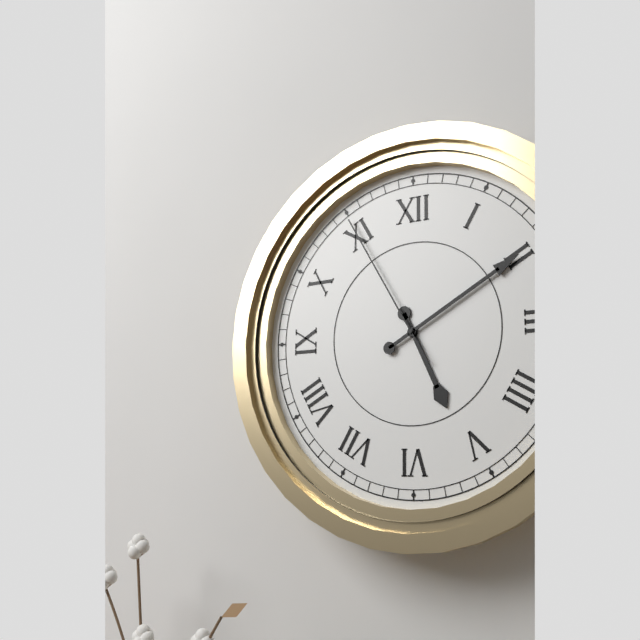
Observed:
5h10m55s
